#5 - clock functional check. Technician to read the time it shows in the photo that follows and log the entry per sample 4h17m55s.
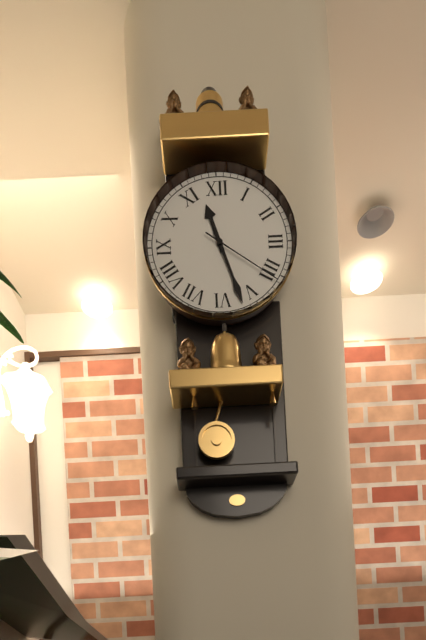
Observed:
11h27m21s
